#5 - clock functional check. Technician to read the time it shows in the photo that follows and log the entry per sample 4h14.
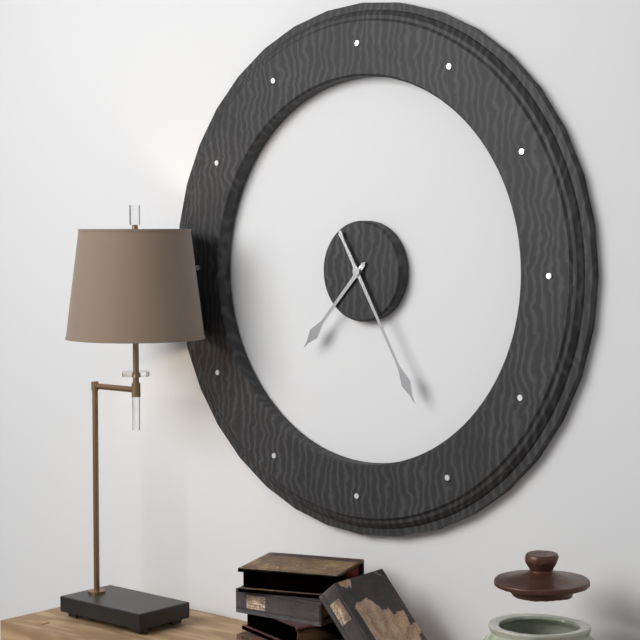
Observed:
7h25
